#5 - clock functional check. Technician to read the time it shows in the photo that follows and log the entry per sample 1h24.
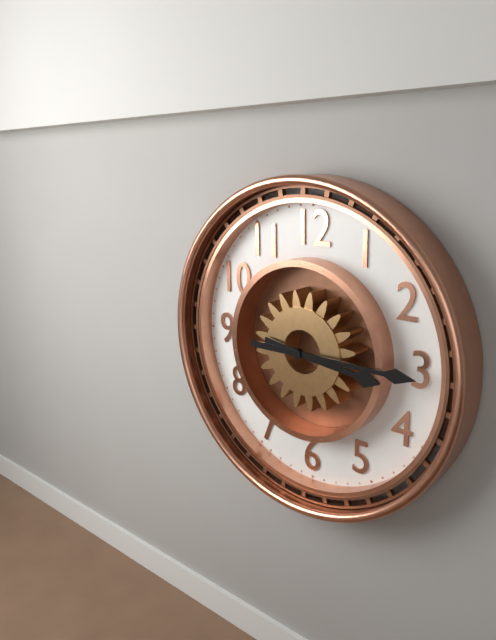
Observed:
3h15
